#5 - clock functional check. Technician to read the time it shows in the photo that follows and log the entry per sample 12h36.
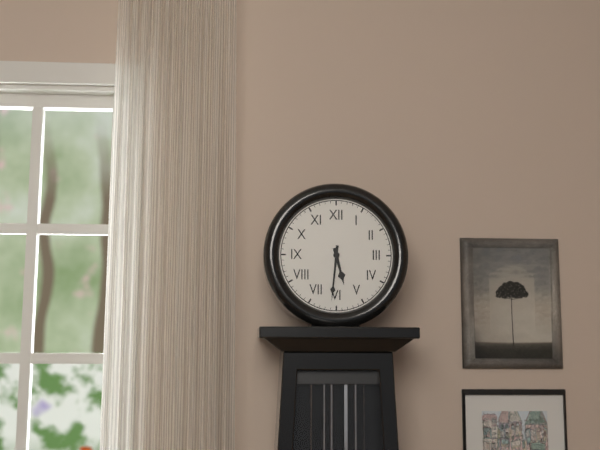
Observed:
5h31
